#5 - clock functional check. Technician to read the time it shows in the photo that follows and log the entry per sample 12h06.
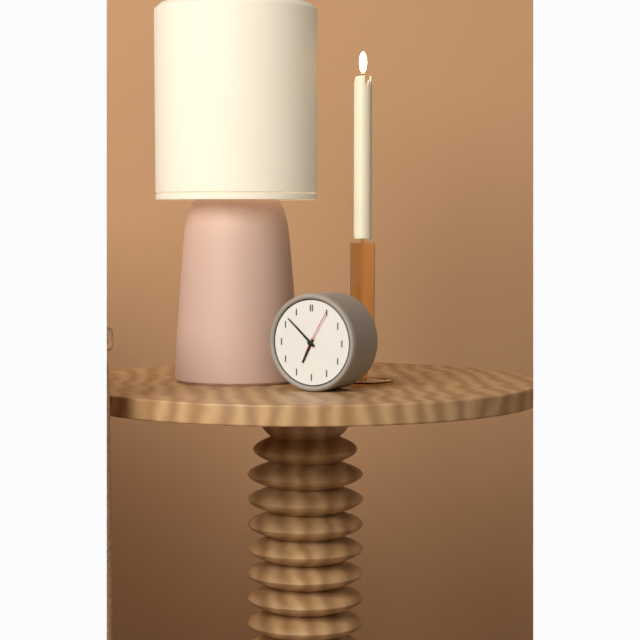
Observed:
6h52
